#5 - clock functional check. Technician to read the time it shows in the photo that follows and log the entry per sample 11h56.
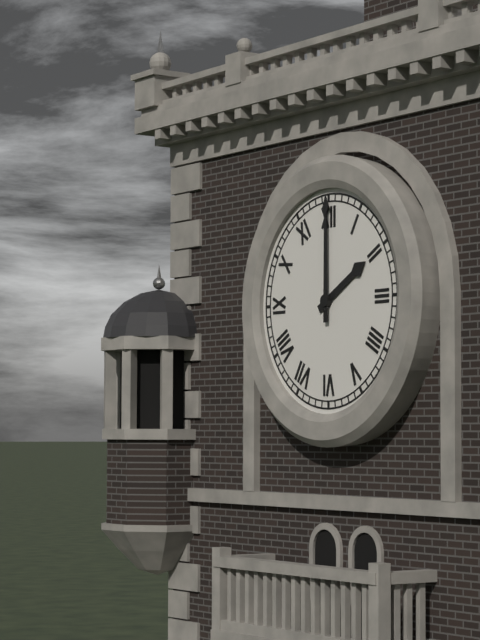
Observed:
2h00
